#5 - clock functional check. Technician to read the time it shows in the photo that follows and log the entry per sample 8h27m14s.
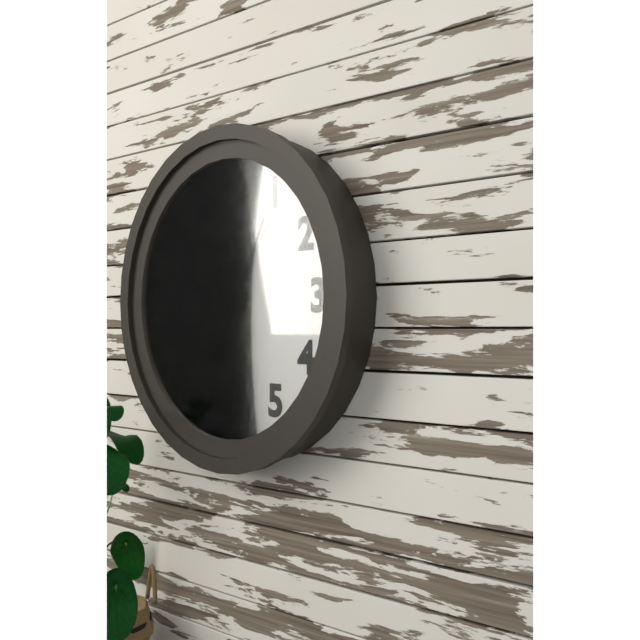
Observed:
12h05m06s
